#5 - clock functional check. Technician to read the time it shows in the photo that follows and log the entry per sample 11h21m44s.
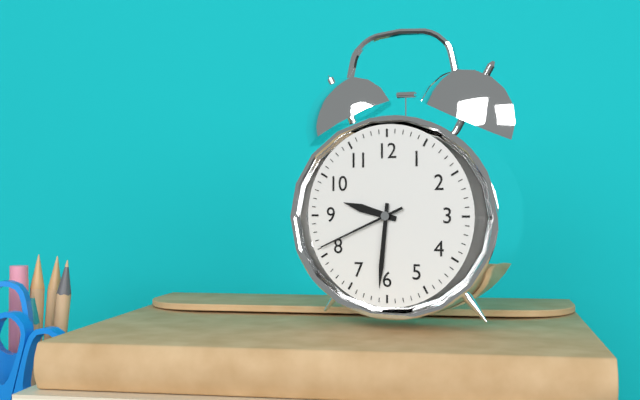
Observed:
9h31m41s
